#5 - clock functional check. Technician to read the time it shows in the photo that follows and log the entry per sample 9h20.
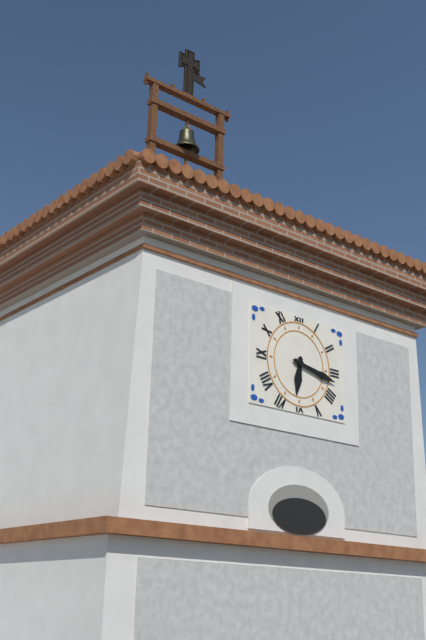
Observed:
6h17
